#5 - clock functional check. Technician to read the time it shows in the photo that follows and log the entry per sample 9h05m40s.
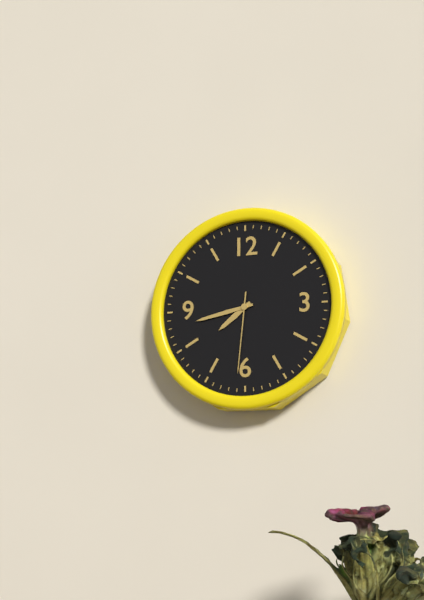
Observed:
7h43m31s
